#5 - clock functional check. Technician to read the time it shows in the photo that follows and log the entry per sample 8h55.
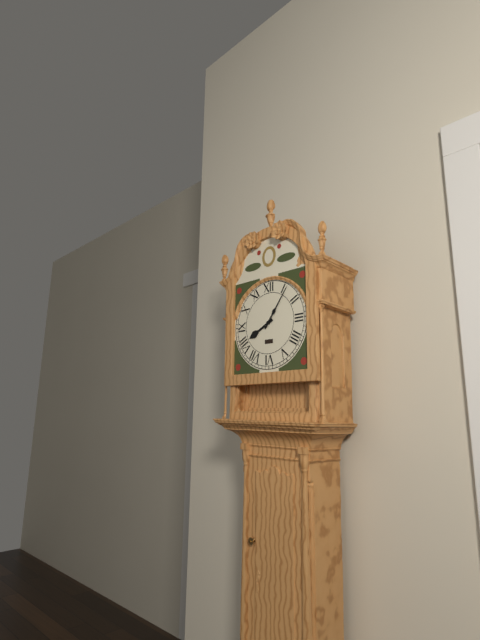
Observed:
8h06
